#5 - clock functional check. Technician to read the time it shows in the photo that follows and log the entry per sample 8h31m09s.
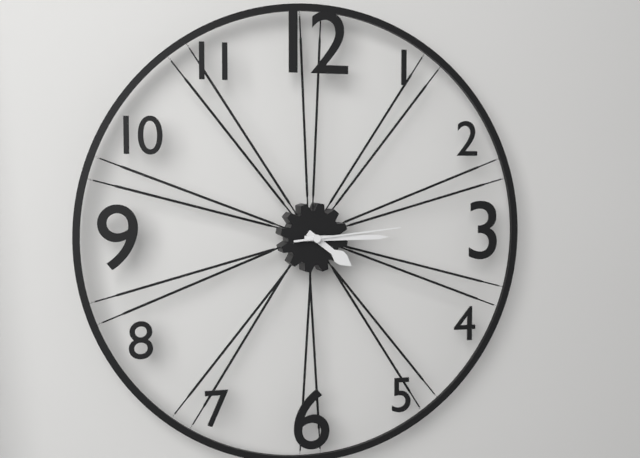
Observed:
4h15m14s
